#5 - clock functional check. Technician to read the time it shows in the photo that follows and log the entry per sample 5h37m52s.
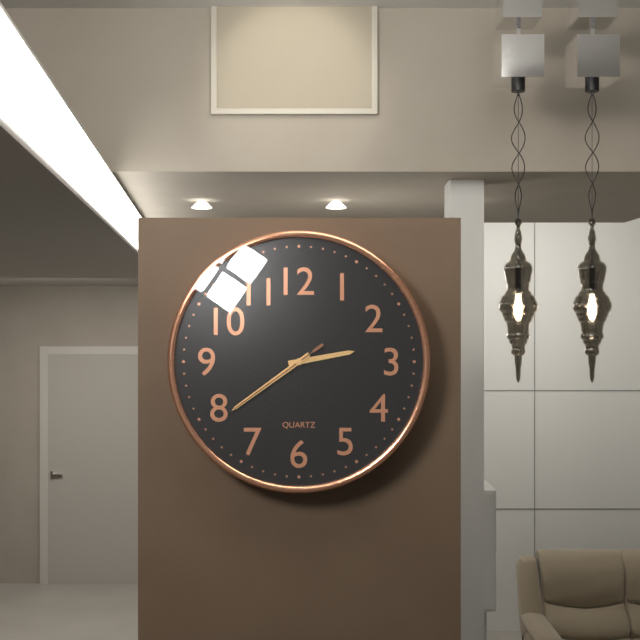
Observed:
2h39m39s
